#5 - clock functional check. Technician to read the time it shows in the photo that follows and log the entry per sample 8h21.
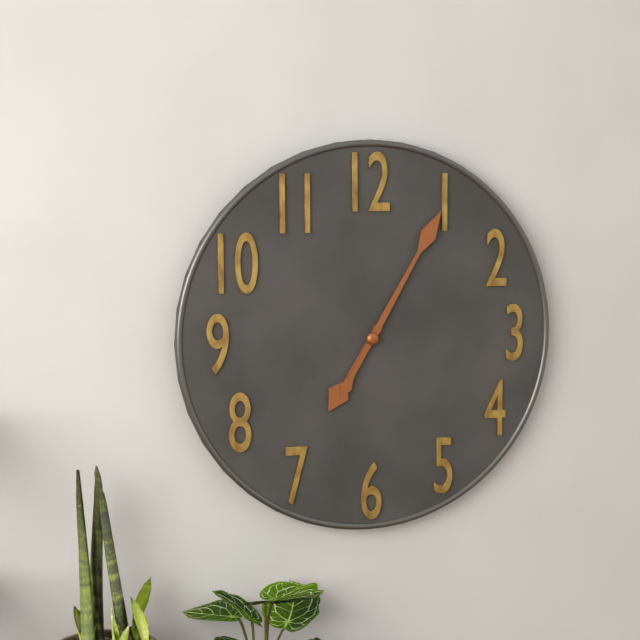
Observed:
7h05
